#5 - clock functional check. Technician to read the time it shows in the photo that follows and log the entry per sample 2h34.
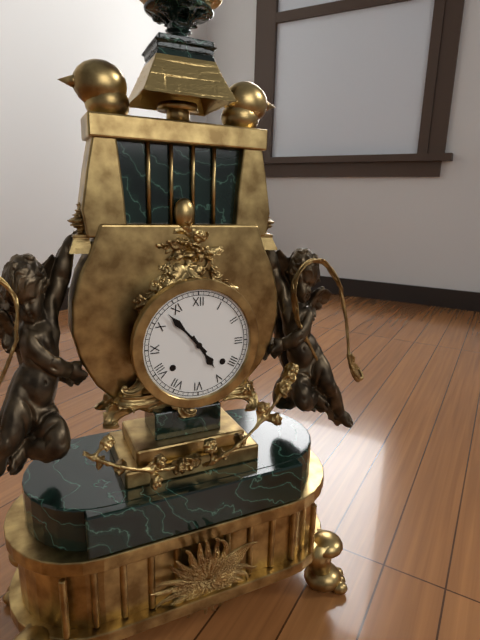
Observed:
4h53
